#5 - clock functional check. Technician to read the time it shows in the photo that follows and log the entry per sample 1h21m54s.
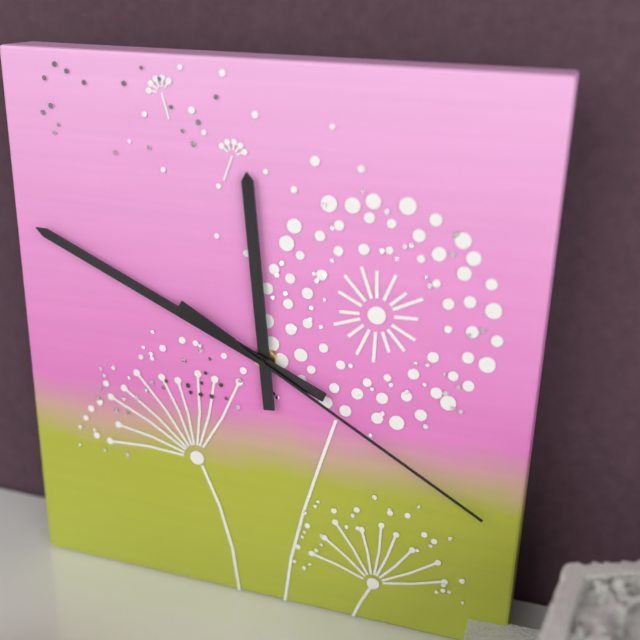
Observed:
11h49m20s
